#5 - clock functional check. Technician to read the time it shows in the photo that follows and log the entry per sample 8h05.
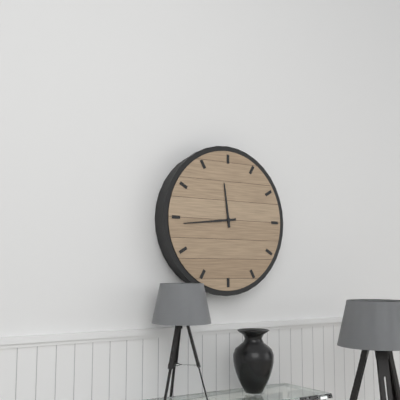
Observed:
11h44
